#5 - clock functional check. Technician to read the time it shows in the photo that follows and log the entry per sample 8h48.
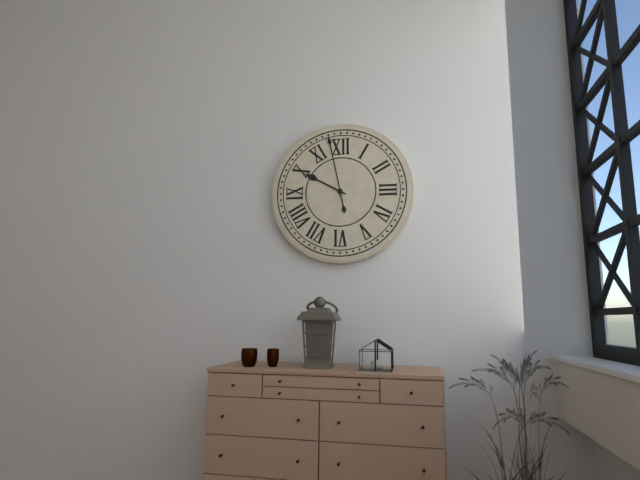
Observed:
9h58
